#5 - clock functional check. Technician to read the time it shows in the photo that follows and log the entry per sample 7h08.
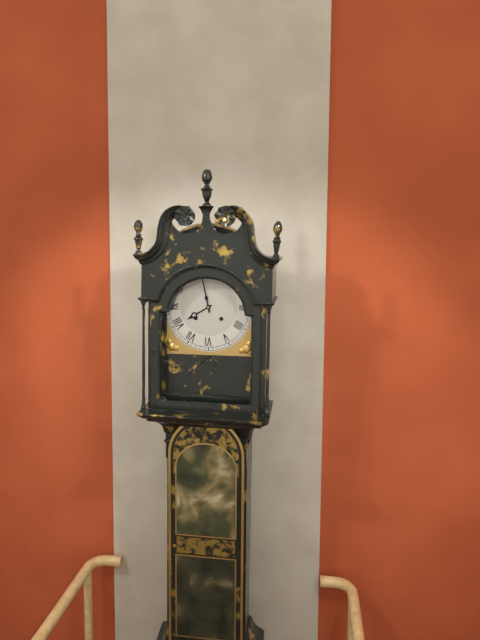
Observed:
7h58
